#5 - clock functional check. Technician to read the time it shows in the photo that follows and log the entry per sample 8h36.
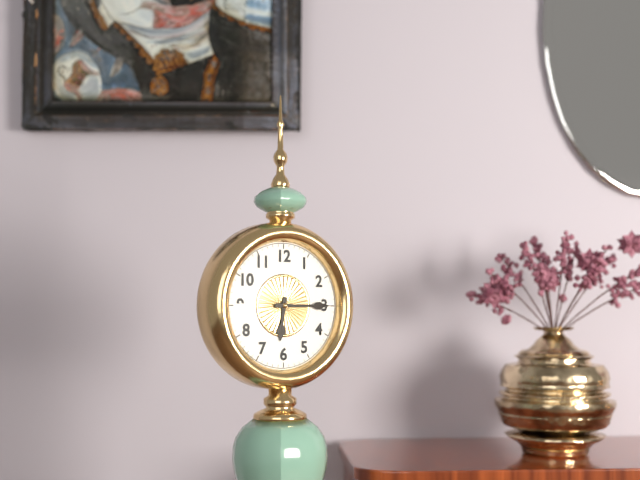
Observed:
6h15
